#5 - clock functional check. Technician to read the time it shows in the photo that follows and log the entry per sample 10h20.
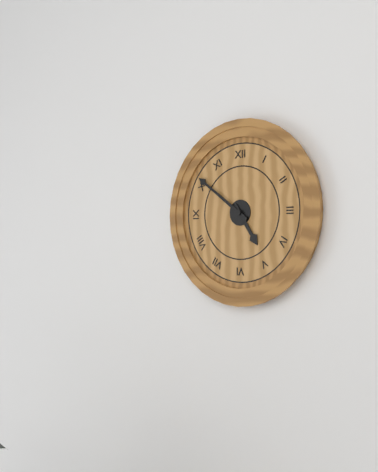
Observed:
4h51
